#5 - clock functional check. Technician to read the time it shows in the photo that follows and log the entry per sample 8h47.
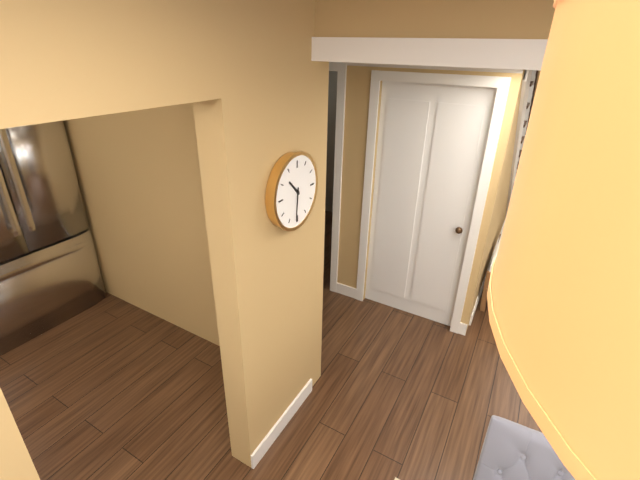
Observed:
10h31
